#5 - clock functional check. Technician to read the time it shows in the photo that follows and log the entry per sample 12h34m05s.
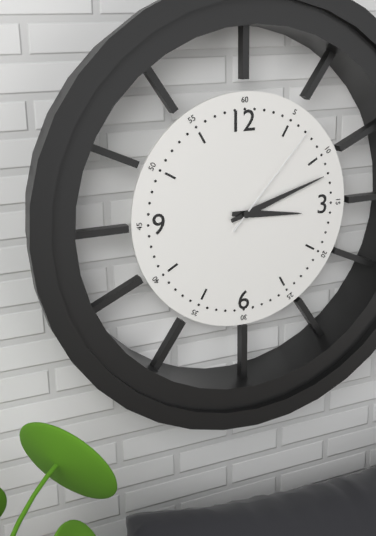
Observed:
3h12m07s
